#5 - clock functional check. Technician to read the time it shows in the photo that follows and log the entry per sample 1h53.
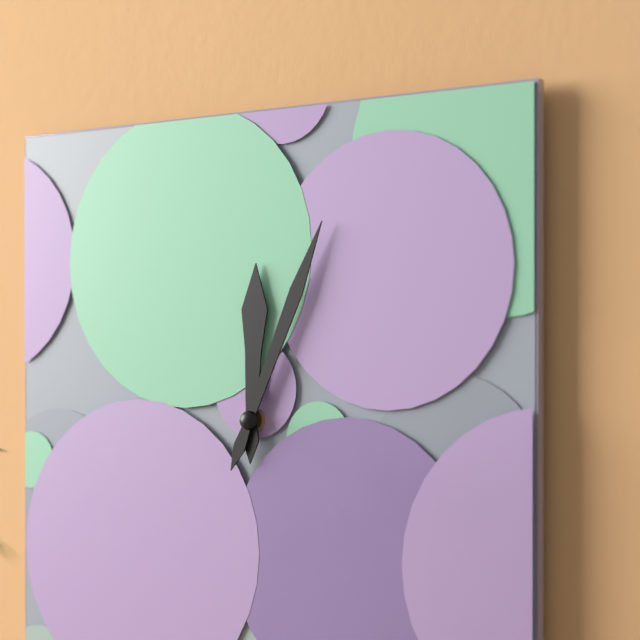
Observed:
12h04
